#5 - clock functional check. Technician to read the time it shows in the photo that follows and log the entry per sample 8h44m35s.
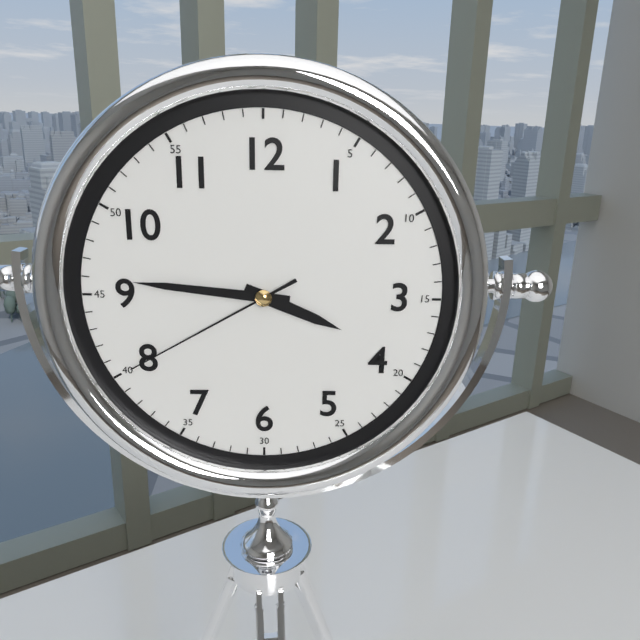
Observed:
3h46m40s
